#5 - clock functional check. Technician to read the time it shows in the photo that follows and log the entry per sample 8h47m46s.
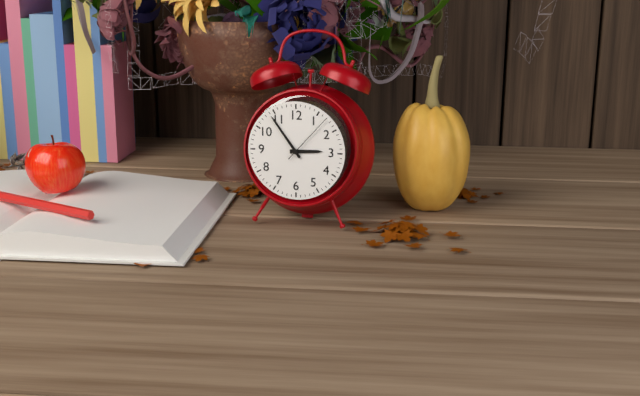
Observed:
2h54m07s
